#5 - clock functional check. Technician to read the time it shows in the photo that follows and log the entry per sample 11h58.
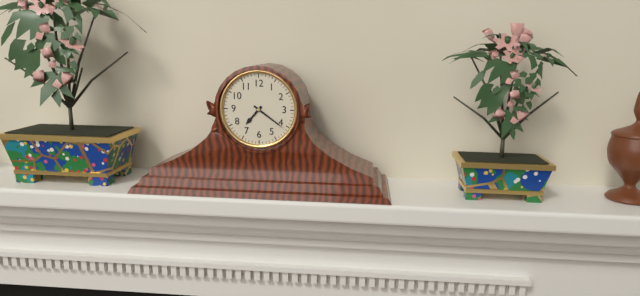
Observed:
7h21
